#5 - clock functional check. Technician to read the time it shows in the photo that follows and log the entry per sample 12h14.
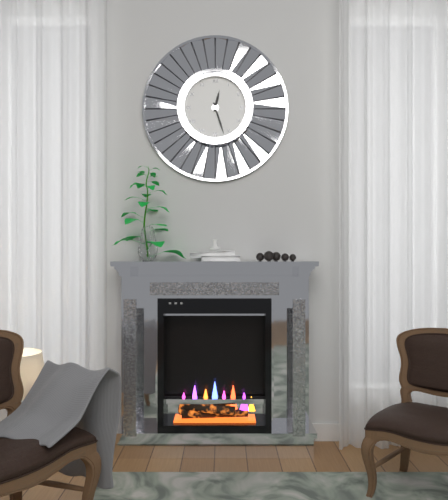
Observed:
12h27
